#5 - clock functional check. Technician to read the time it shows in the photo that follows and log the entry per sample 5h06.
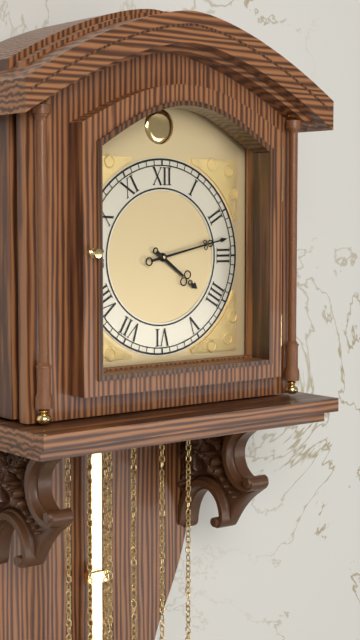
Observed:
4h13
